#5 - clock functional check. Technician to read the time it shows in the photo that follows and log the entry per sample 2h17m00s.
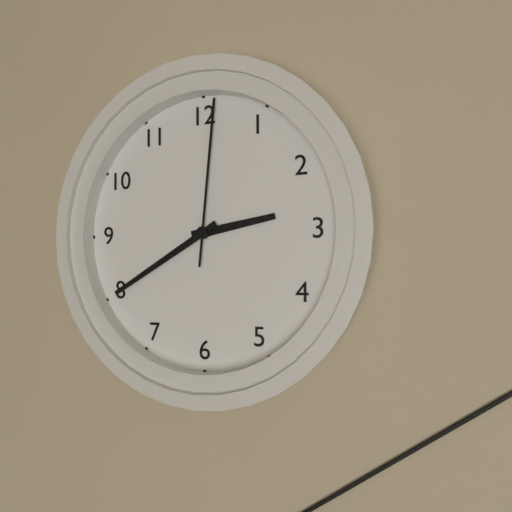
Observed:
2h40m01s
